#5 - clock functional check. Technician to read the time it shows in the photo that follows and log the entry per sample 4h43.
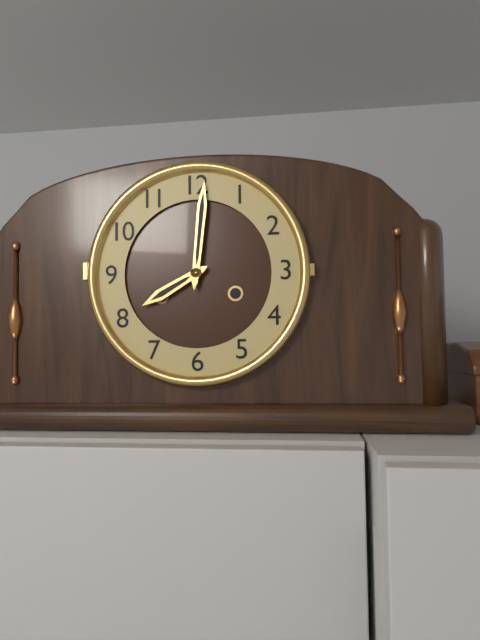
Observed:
8h01
